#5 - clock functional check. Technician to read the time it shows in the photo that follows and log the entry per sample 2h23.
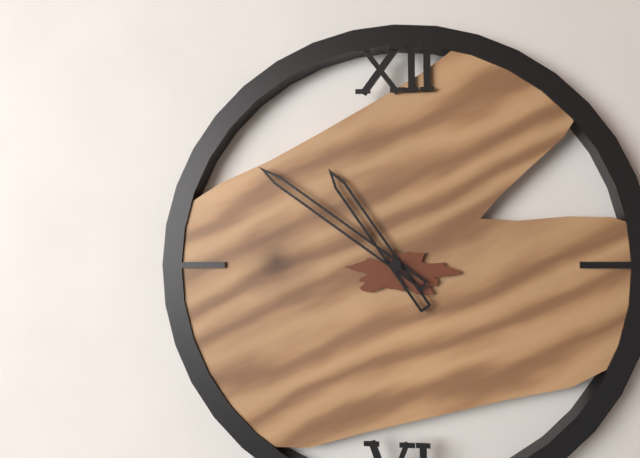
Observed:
10h51
